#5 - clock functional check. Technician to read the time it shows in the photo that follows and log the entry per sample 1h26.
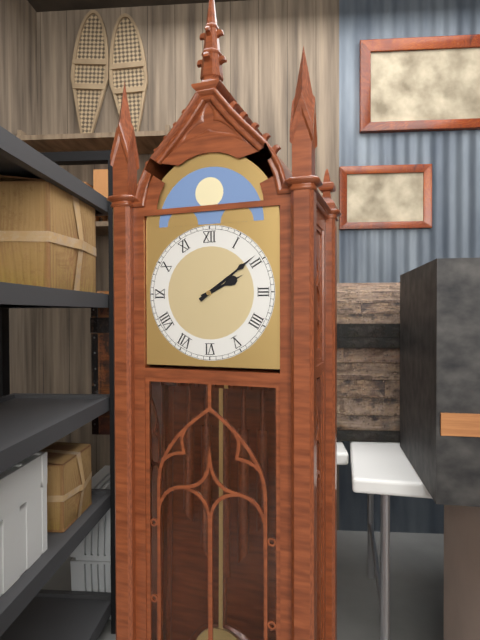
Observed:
2h09
